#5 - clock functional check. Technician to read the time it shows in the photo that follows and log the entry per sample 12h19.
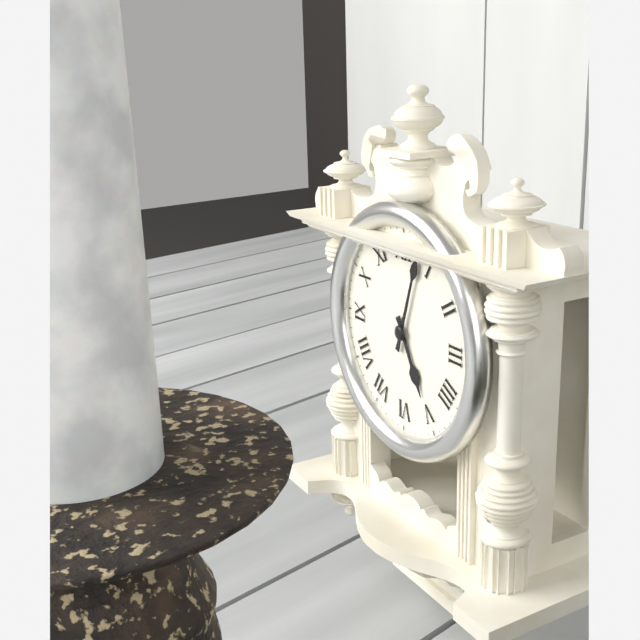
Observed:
5h03
